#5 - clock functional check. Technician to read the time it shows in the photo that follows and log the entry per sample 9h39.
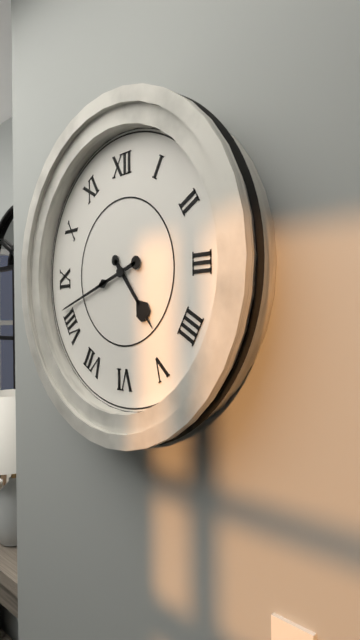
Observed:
4h42
